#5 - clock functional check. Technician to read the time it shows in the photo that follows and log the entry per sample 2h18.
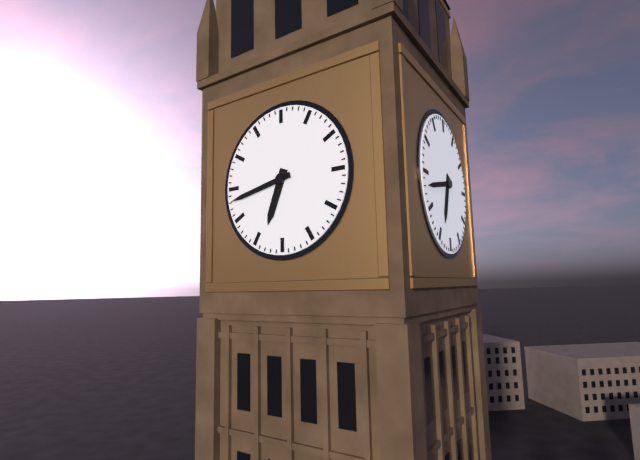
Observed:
6h43
